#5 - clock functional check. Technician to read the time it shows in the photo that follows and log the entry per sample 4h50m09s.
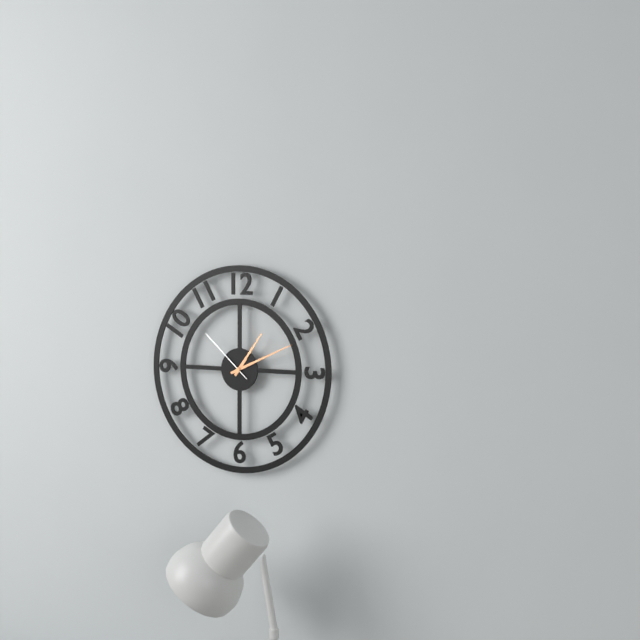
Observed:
1h11m52s
